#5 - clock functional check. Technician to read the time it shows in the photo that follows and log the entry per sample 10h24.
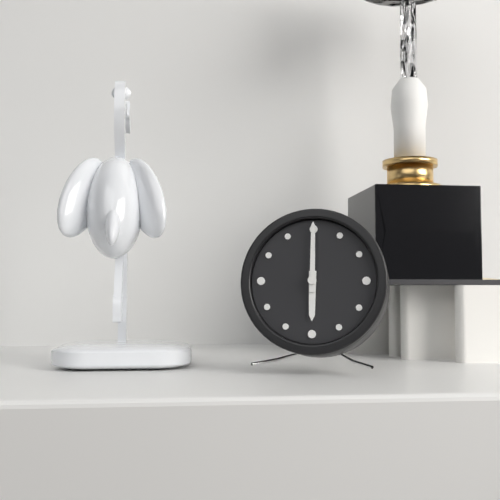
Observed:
6h00
